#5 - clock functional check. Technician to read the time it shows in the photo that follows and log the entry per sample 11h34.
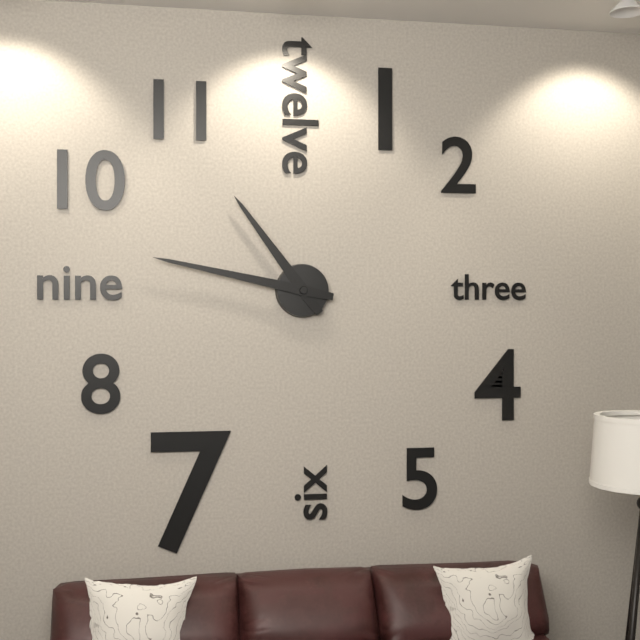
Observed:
10h47
